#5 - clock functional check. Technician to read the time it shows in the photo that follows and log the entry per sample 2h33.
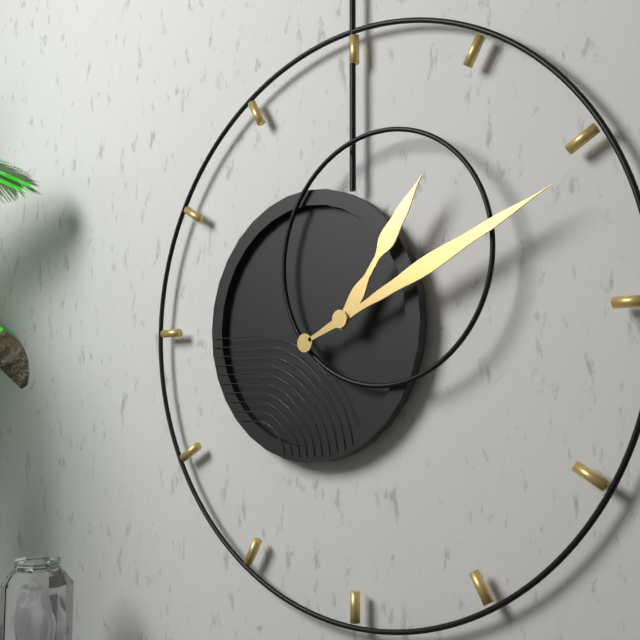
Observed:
1h11
